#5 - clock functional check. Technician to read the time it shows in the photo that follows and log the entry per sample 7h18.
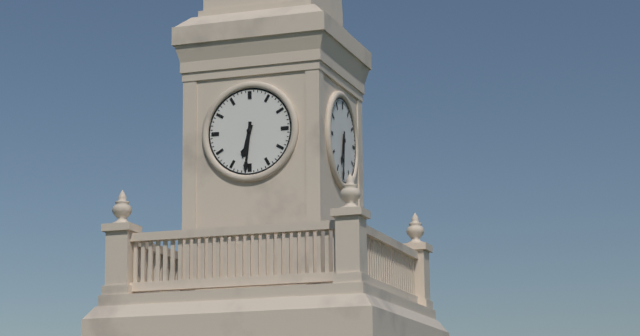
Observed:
6h31
